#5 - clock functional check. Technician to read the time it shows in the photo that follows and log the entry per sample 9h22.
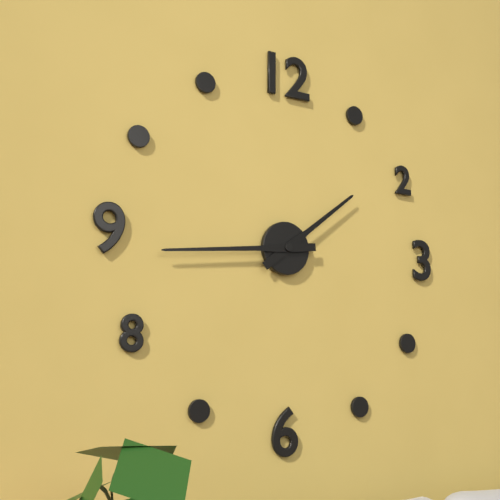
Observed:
1h44
